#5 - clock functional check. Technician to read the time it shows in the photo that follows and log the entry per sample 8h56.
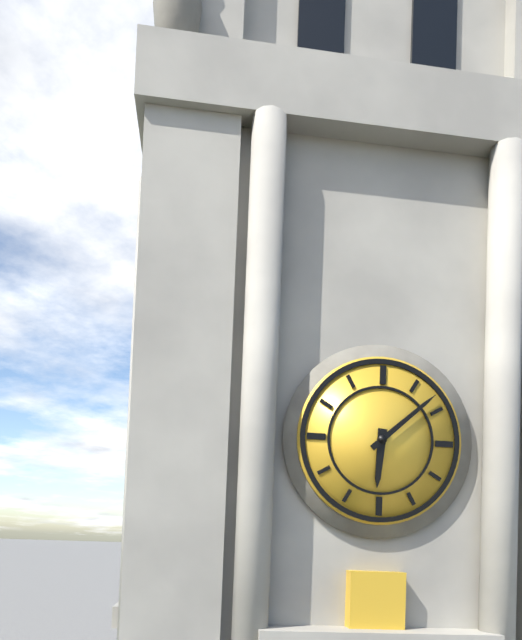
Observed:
6h08
